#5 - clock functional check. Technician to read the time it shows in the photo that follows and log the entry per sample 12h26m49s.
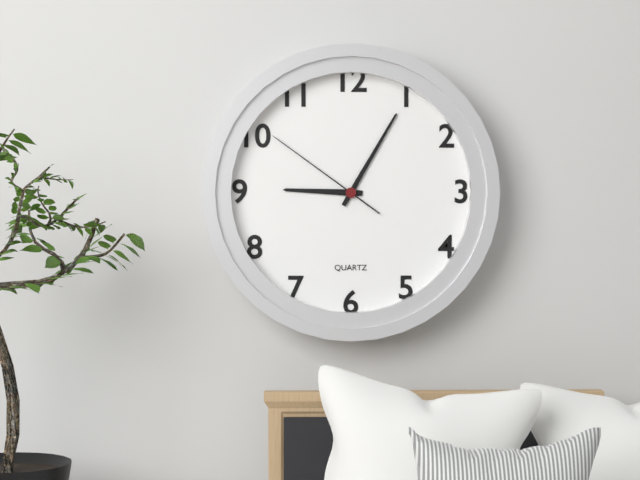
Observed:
9h05m51s
